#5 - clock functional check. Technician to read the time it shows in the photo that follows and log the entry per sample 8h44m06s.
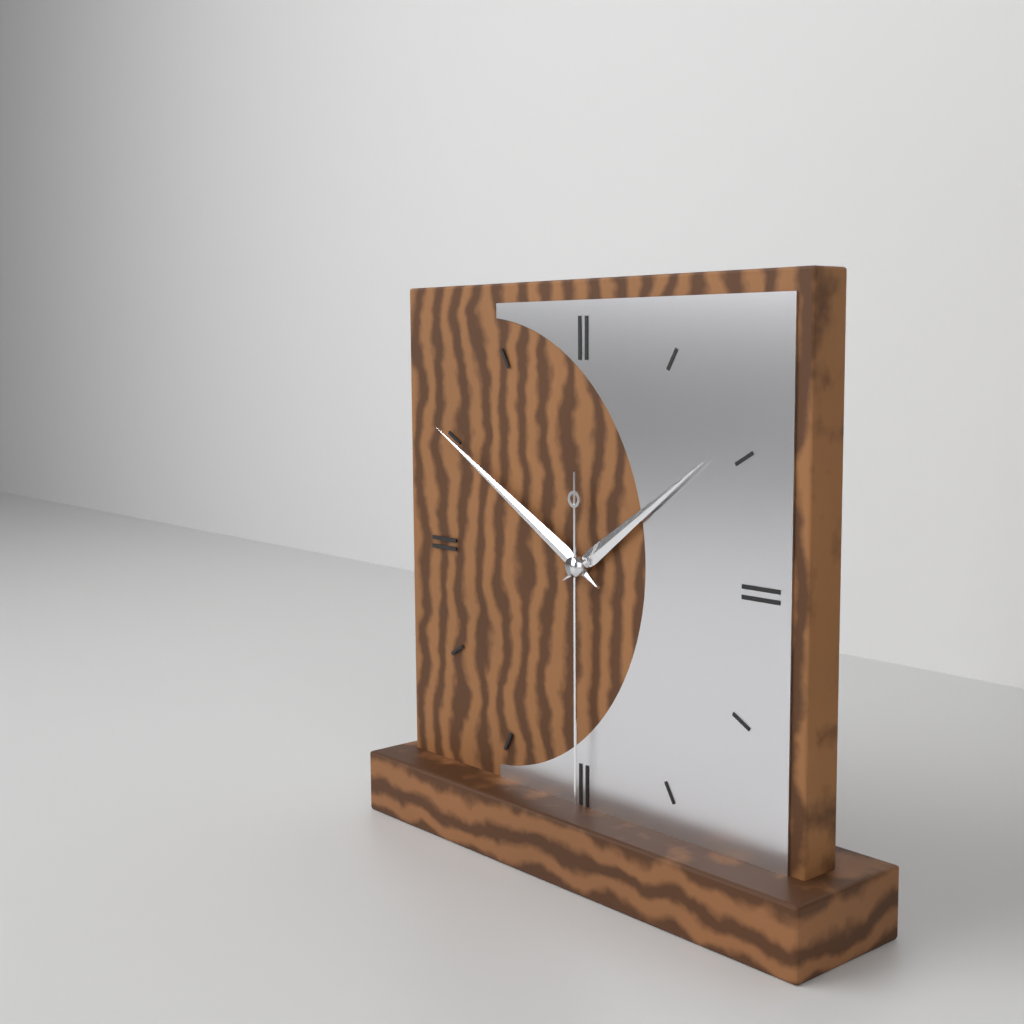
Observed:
1h50m30s
